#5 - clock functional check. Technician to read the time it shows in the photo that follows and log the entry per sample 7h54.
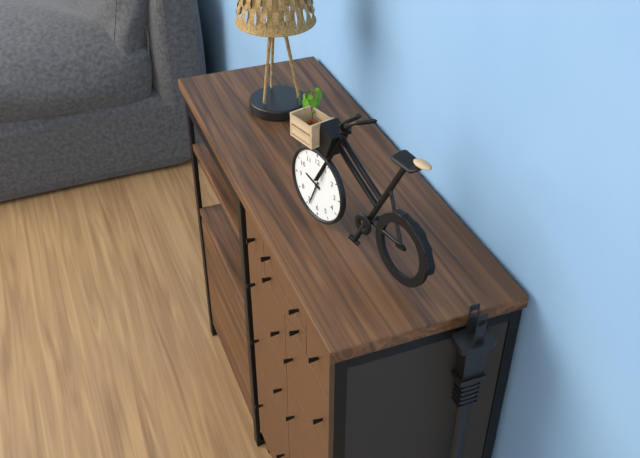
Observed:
9h34
